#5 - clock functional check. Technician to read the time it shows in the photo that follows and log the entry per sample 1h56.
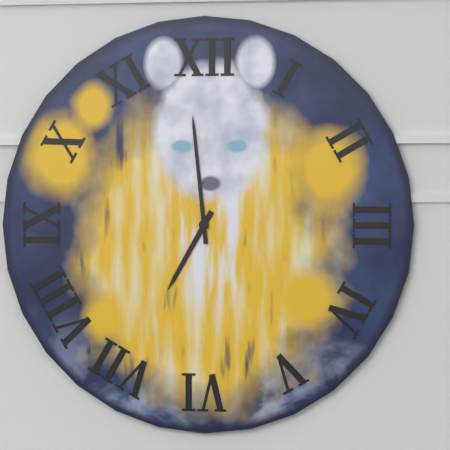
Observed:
6h59
